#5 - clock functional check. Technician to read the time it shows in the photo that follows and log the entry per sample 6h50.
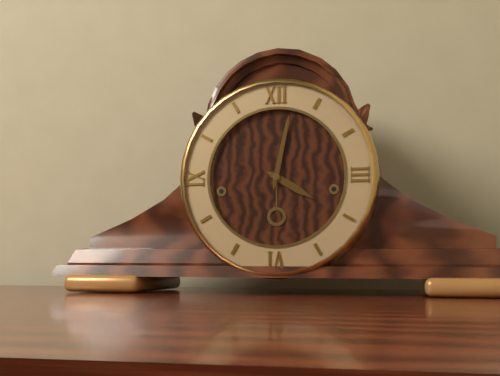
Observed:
4h02
